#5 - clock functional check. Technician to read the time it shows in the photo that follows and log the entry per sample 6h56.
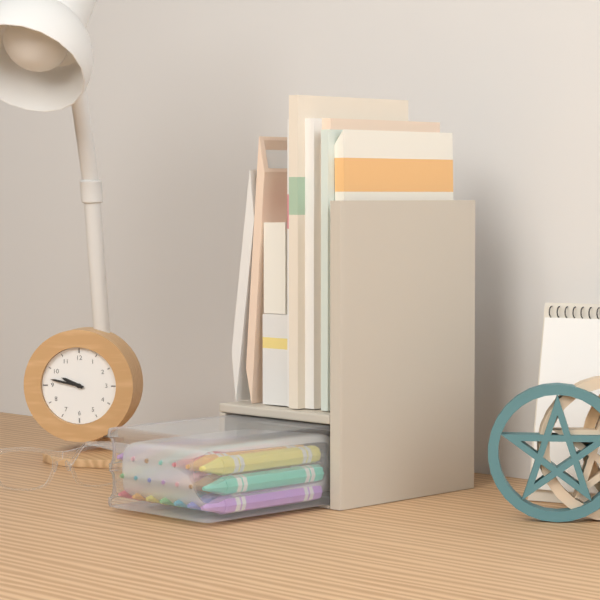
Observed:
9h47
